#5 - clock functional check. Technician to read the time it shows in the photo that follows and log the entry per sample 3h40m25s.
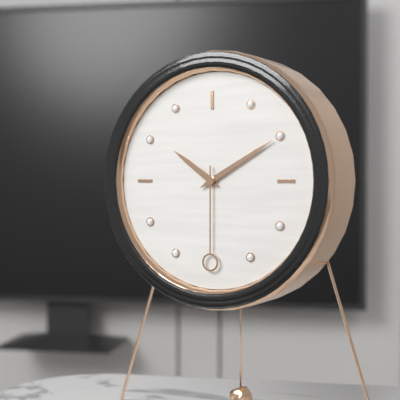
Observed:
10h10m30s
